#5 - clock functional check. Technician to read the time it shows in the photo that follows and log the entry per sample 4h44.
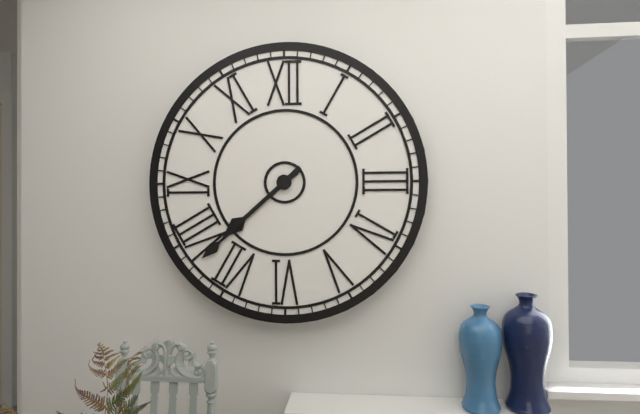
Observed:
7h38
